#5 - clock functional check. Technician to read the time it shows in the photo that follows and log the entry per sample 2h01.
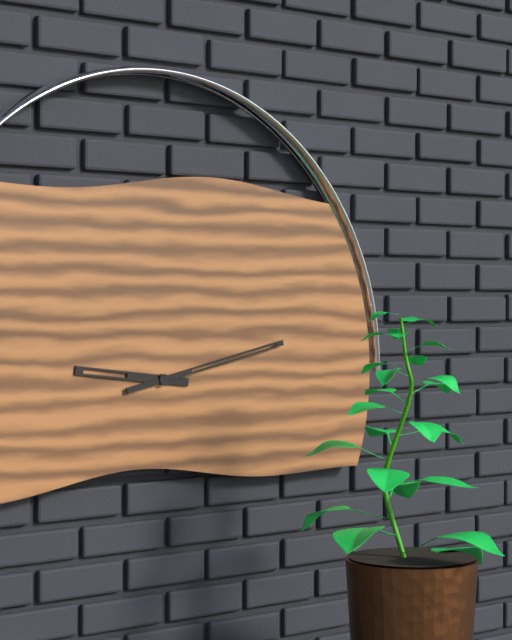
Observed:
9h13
